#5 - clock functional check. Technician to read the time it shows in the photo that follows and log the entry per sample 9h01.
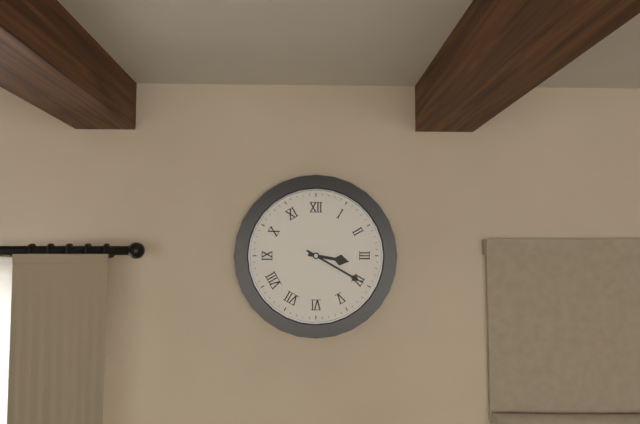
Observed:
3h20
